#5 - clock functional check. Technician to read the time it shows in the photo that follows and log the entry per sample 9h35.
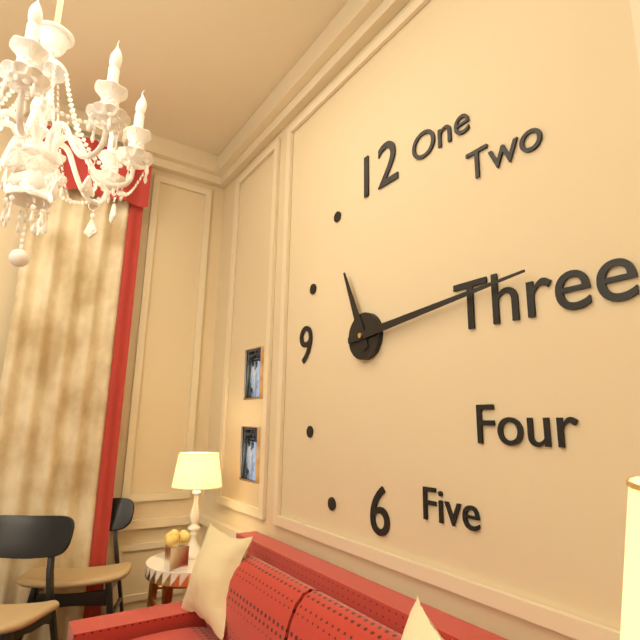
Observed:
11h14
